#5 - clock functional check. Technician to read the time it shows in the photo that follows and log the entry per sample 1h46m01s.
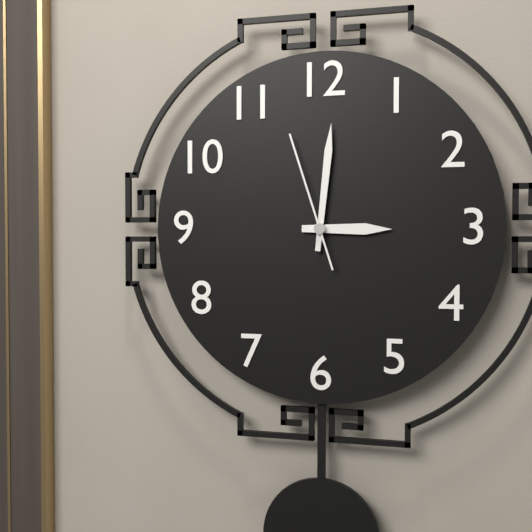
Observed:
3h01m57s
